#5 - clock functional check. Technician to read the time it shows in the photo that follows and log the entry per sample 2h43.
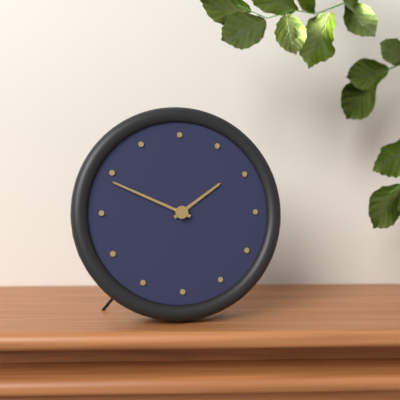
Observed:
1h49
